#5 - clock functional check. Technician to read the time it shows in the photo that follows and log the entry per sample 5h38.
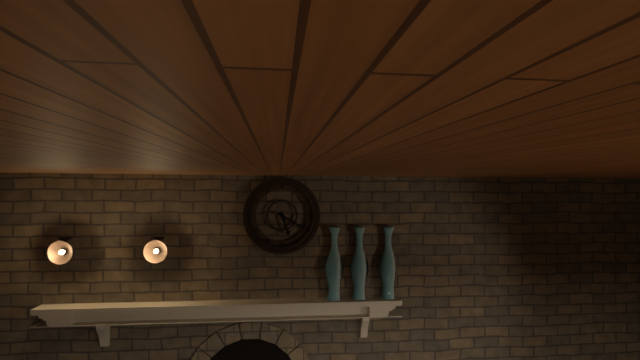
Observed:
5h20
